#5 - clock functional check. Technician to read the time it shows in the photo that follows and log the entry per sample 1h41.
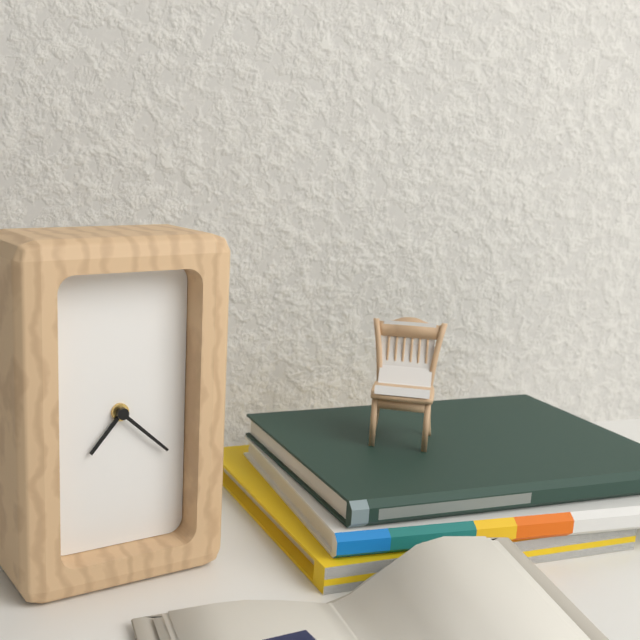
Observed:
7h22
